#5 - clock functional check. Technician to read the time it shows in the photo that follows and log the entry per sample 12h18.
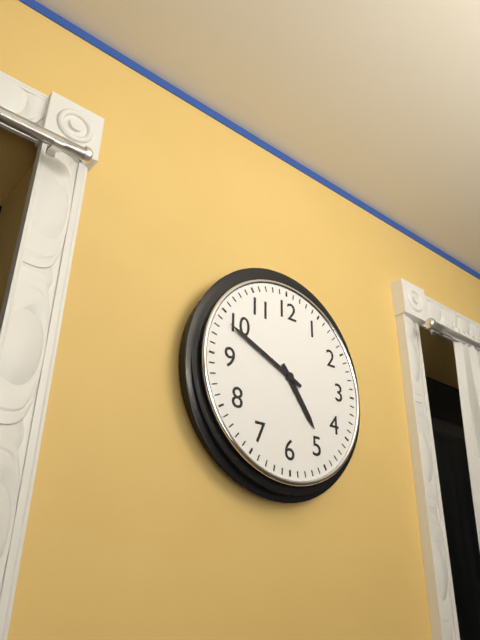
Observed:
4h49
